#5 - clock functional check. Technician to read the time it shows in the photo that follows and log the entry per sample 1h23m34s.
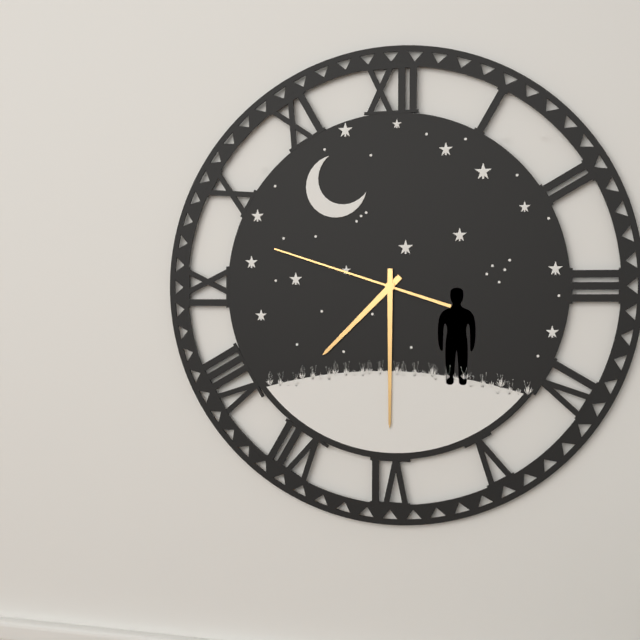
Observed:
7h30m48s
